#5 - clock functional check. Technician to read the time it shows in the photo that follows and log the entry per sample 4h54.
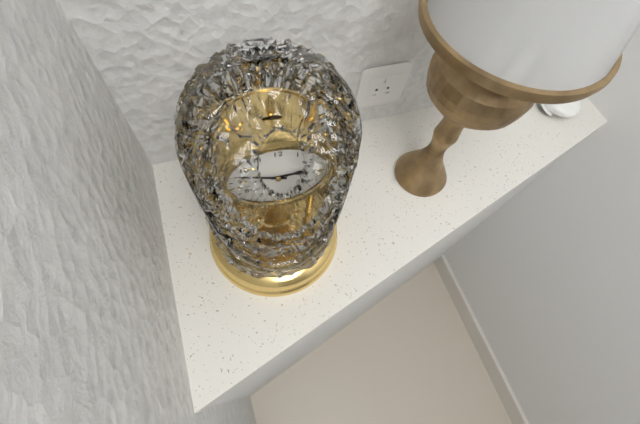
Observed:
2h48
